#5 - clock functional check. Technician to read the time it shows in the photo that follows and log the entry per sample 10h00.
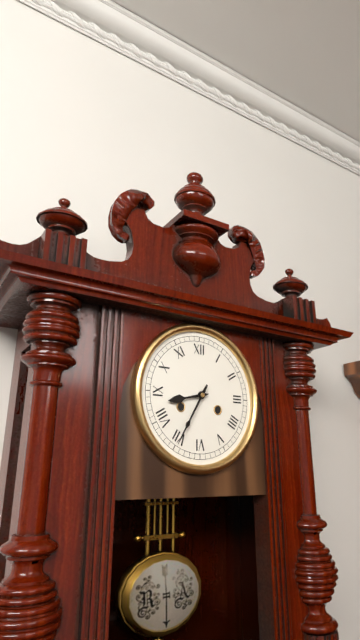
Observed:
8h35
